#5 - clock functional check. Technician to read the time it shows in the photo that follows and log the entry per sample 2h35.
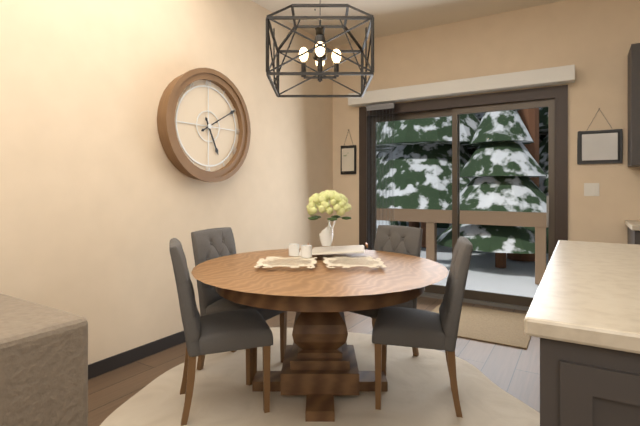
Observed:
5h10
